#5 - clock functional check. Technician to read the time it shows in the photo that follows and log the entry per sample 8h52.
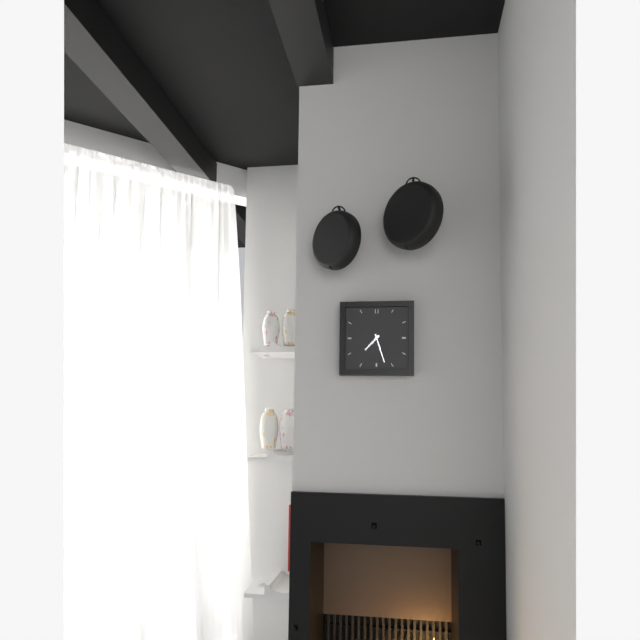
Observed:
7h27
